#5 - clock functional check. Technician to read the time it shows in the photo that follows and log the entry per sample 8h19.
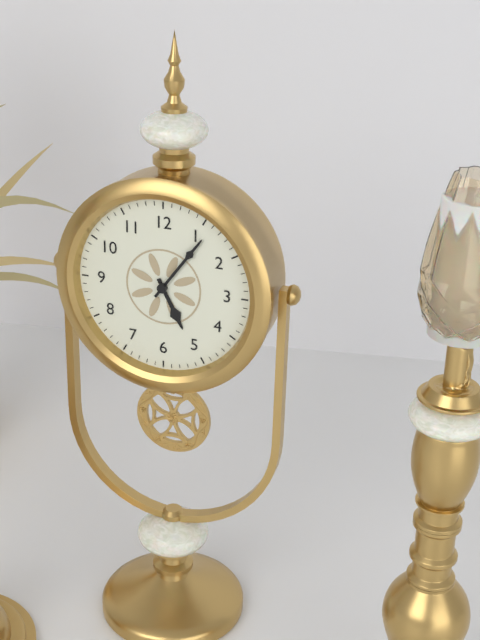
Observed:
5h06
